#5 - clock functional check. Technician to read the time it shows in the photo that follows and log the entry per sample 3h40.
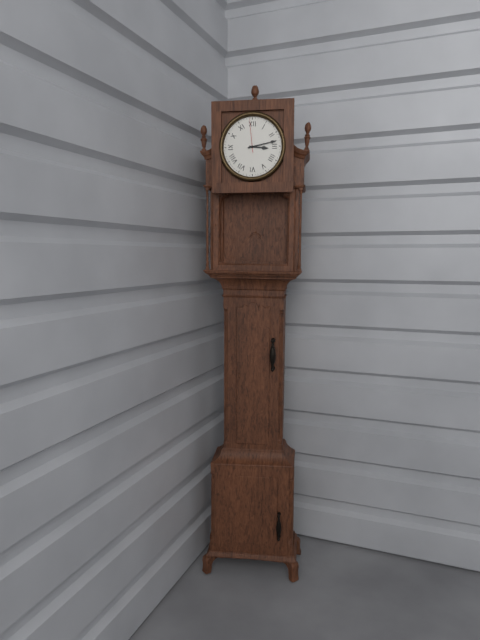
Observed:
3h13
